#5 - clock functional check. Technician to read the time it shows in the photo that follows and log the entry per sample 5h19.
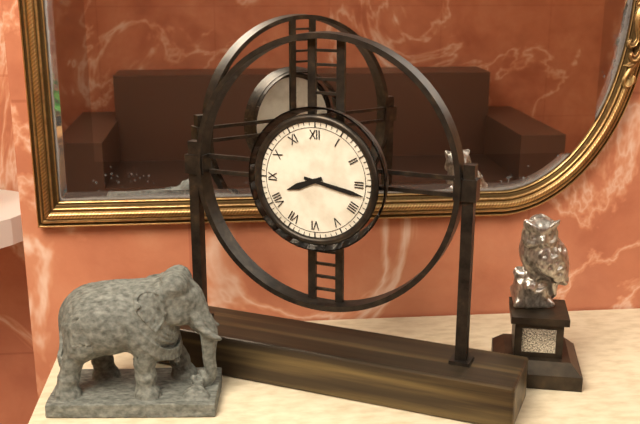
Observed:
8h17
